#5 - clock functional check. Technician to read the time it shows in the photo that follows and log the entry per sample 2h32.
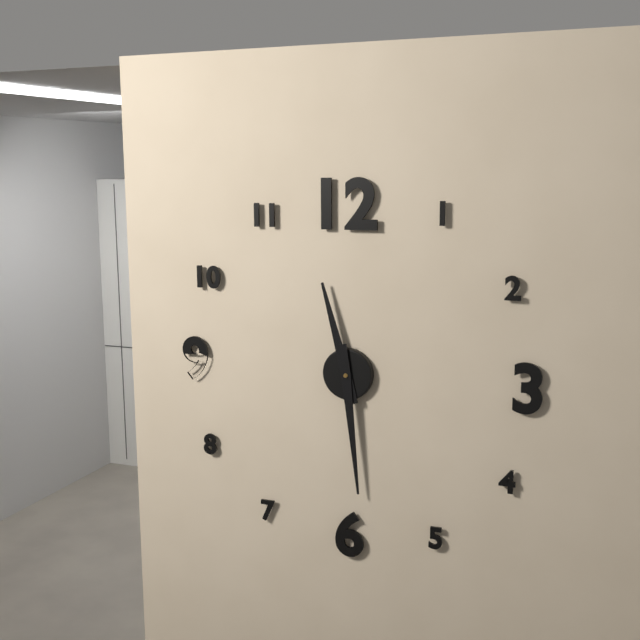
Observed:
11h29
